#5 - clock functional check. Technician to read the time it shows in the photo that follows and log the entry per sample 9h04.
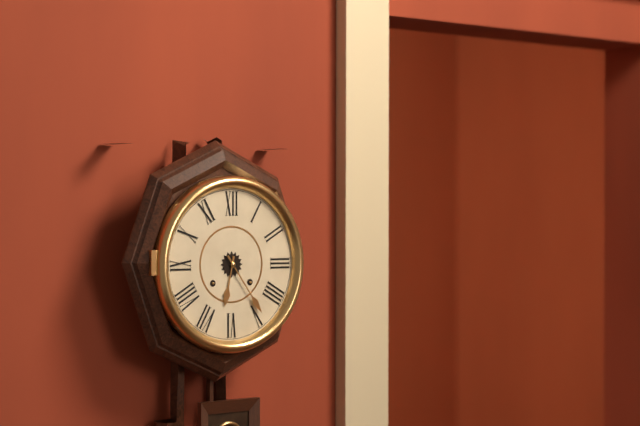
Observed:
6h24
